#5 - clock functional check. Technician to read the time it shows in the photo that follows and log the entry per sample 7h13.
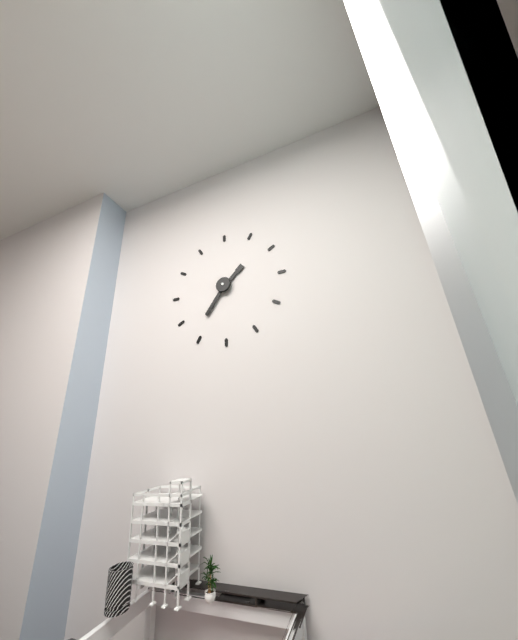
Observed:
1h36
